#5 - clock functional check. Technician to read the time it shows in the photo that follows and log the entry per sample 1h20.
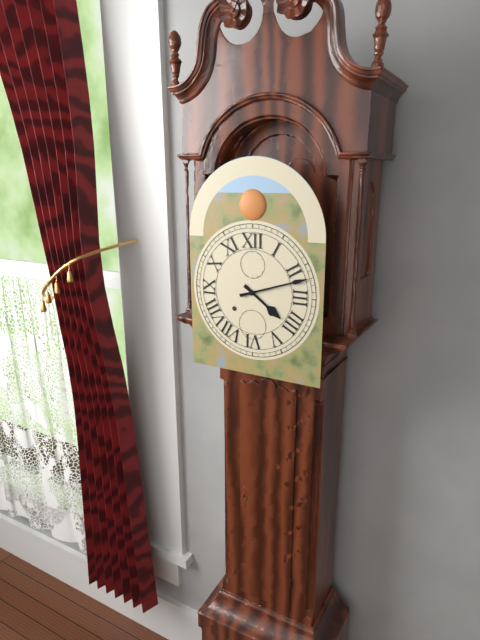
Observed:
4h12
